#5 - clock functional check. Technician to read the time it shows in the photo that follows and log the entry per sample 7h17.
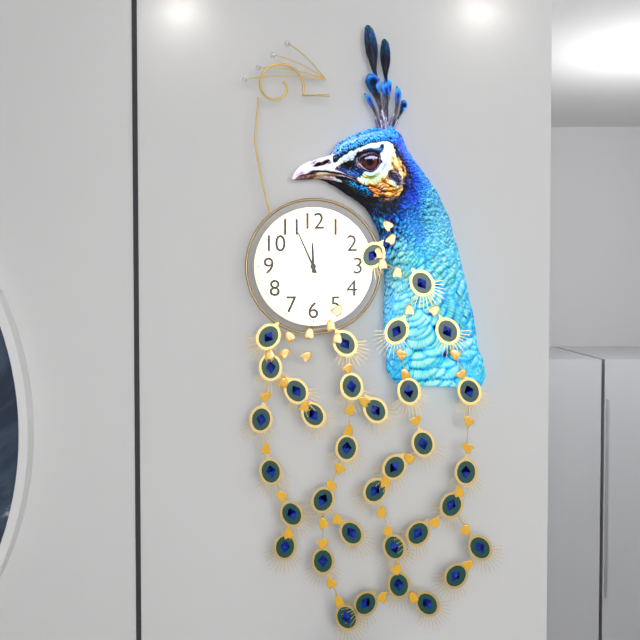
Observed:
11h56
